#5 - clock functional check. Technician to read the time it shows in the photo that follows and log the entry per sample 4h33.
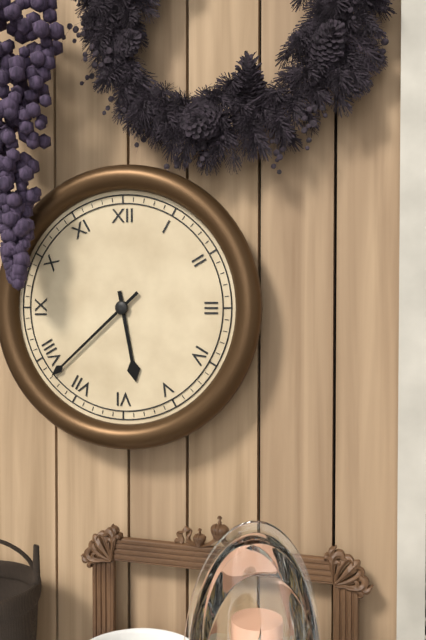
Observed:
5h38
